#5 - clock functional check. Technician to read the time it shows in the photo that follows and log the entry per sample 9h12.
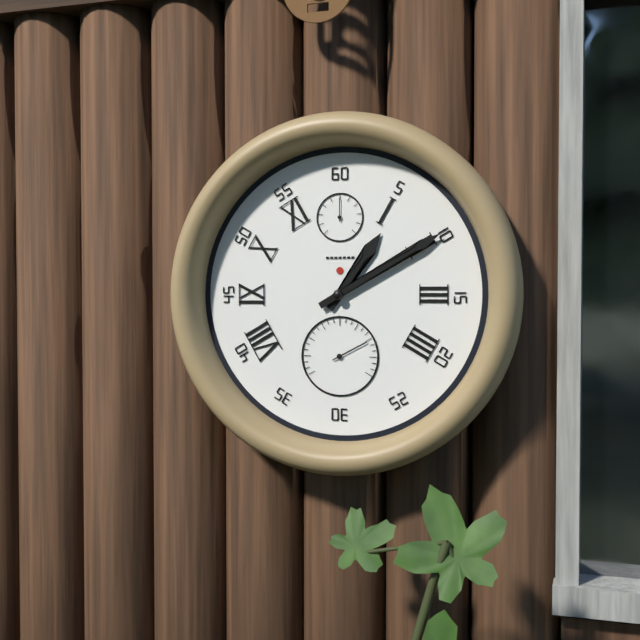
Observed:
1h10
